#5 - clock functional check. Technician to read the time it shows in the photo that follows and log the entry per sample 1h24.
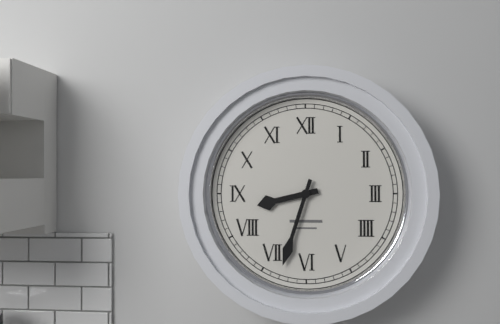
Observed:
8h33
